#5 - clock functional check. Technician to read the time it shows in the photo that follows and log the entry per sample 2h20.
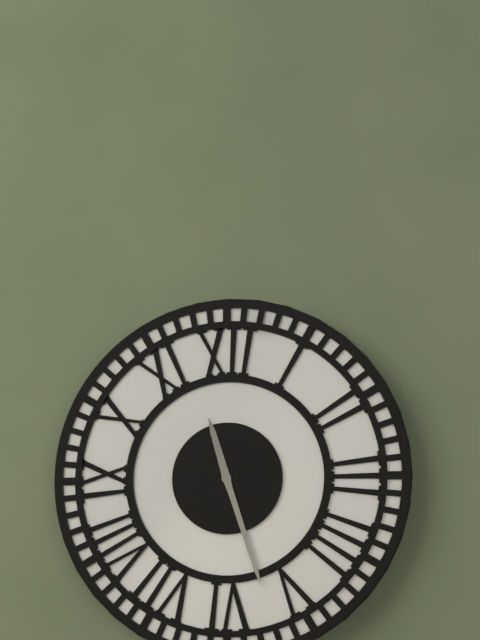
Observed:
11h27
